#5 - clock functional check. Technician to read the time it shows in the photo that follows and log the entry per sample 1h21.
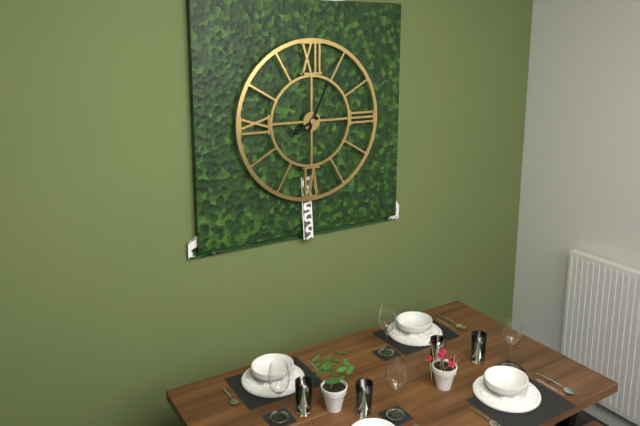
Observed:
8h04
